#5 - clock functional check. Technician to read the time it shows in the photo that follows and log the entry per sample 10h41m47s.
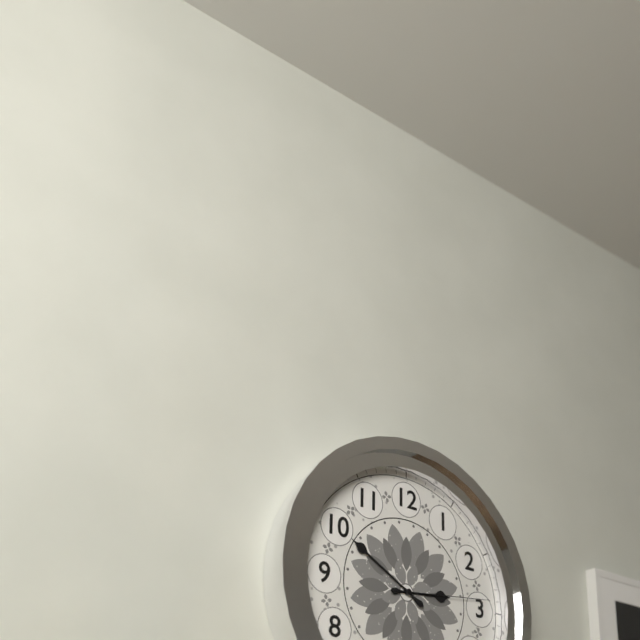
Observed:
2h50m14s
